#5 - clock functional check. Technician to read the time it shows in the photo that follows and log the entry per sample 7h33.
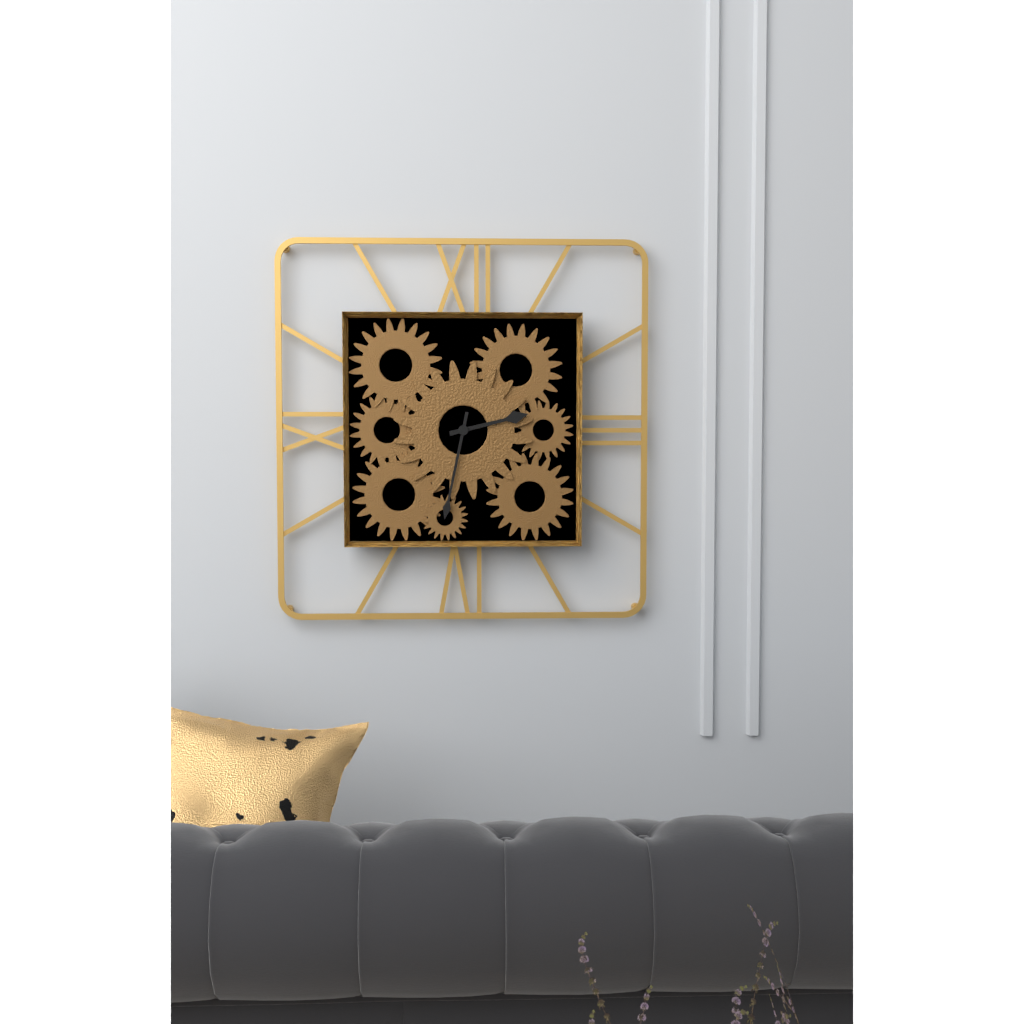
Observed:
2h32
